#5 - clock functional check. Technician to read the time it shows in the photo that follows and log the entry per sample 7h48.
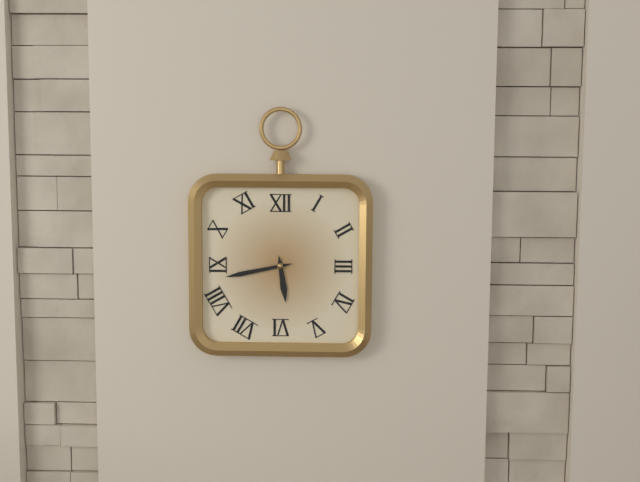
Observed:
5h43
